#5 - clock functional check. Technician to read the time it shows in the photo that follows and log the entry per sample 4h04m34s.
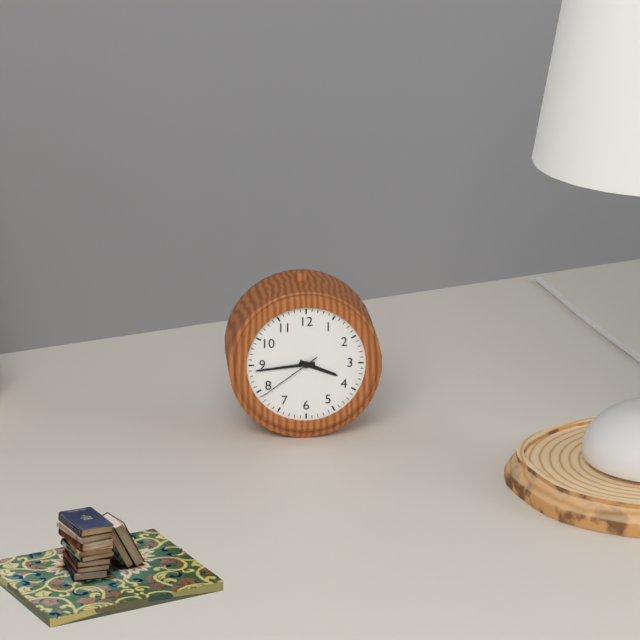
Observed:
3h44m39s
